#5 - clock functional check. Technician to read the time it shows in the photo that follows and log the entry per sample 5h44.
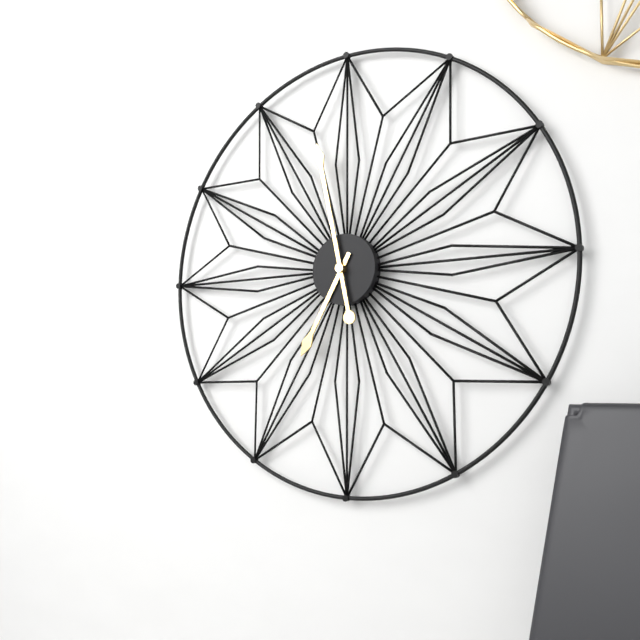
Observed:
6h58
